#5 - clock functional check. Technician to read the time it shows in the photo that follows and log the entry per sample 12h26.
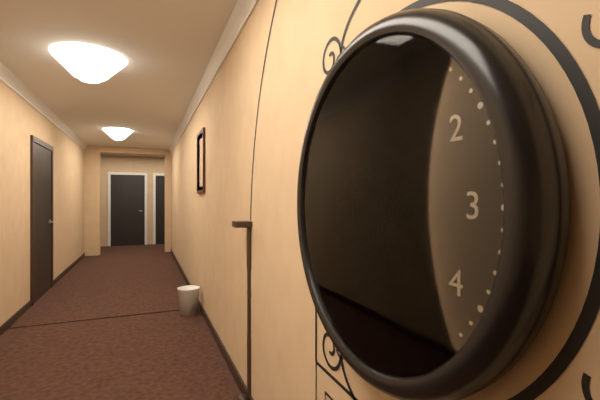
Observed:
8h55
